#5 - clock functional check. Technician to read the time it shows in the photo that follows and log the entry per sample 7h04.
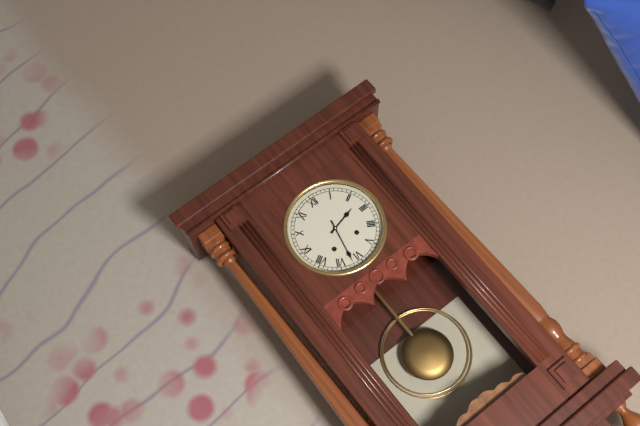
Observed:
2h32
